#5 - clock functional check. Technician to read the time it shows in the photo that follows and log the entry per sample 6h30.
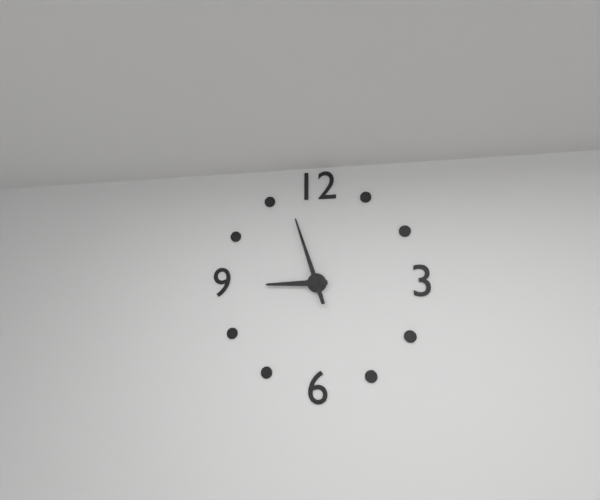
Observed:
8h57
